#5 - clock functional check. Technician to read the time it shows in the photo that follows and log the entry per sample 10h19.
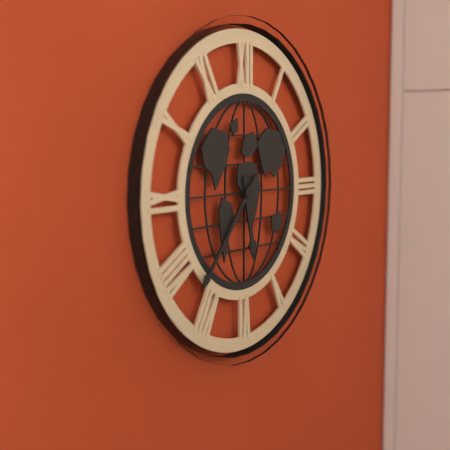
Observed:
5h37
